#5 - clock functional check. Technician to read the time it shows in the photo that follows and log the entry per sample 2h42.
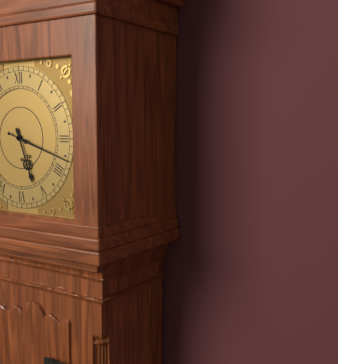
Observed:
5h18
